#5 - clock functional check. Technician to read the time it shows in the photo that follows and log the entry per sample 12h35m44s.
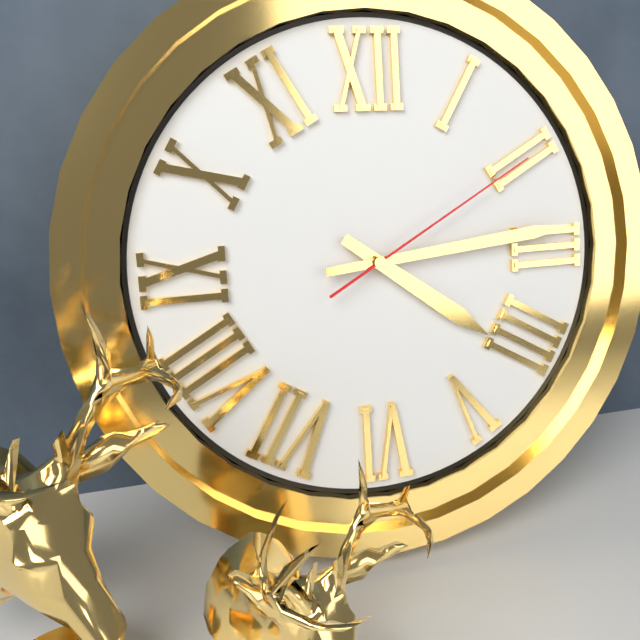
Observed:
4h14m10s
